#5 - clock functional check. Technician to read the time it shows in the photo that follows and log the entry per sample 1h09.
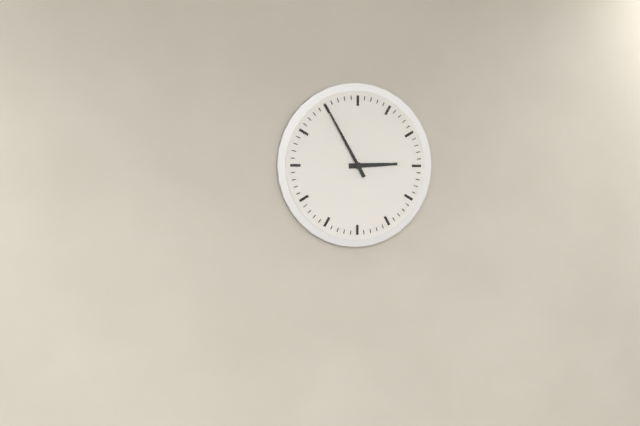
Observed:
2h55
